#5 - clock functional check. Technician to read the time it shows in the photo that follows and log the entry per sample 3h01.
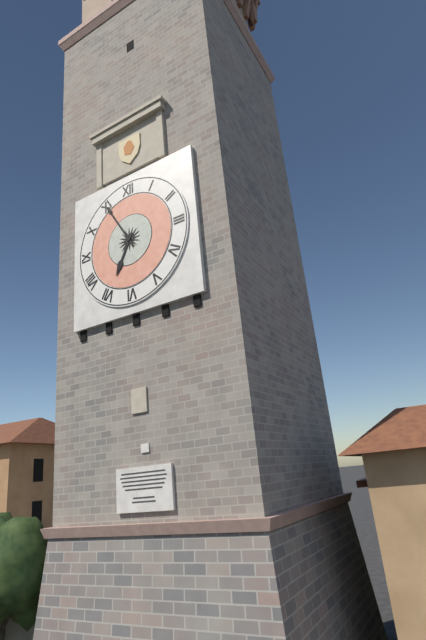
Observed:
6h55
